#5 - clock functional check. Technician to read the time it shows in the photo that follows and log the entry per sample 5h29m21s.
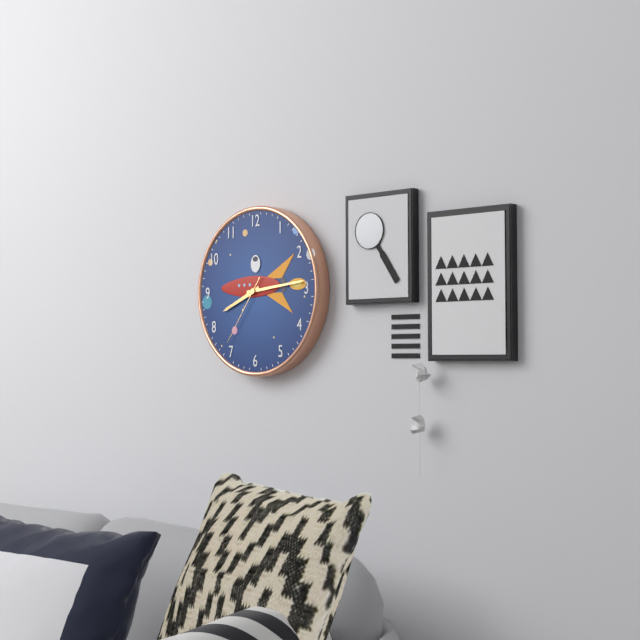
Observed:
8h14m36s
